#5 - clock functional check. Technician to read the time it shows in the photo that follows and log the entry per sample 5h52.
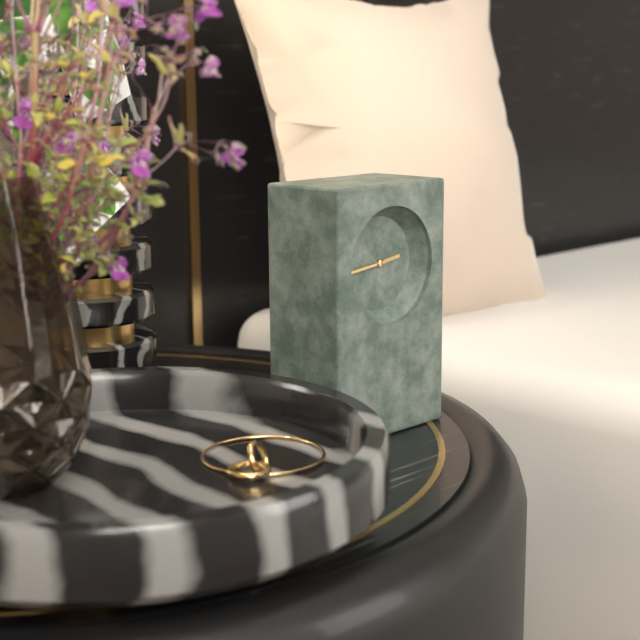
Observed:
2h44
